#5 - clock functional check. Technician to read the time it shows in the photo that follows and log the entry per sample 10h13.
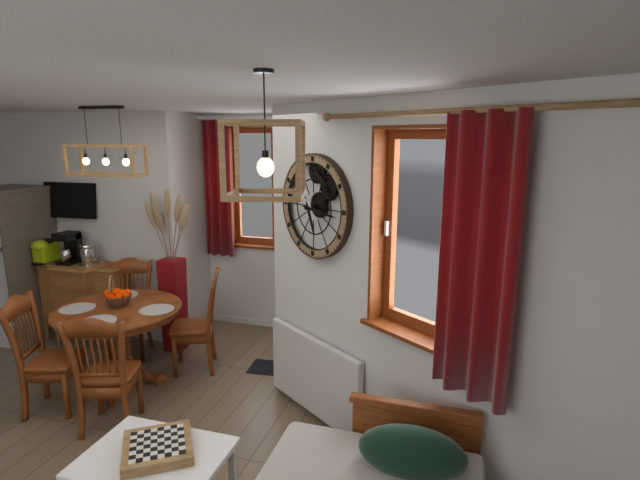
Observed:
5h16
